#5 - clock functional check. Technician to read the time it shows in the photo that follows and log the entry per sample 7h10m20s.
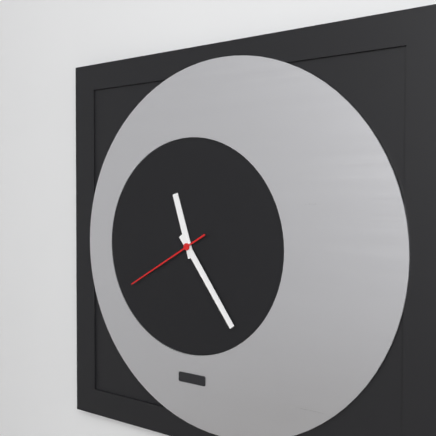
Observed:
11h24m40s
